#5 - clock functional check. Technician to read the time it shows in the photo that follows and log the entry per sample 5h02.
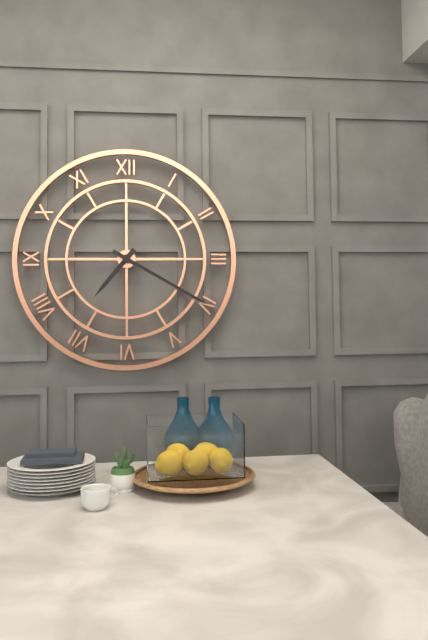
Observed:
7h20
